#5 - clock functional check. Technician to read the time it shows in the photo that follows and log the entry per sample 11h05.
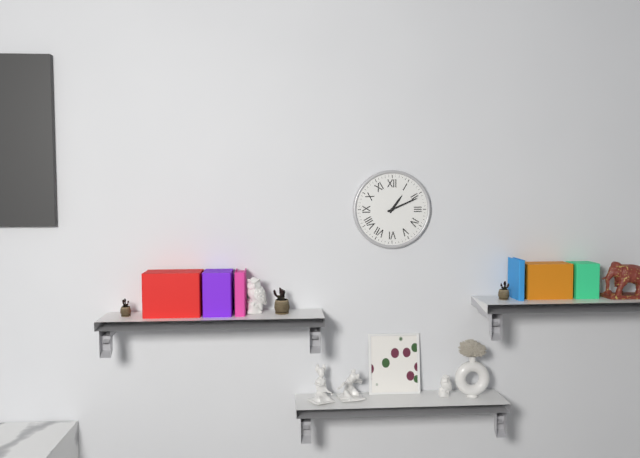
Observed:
1h11
